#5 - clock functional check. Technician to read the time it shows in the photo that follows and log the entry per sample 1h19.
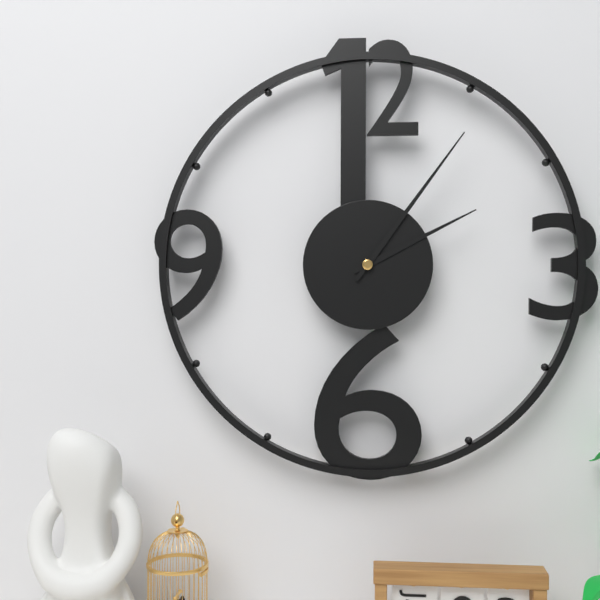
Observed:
2h06
